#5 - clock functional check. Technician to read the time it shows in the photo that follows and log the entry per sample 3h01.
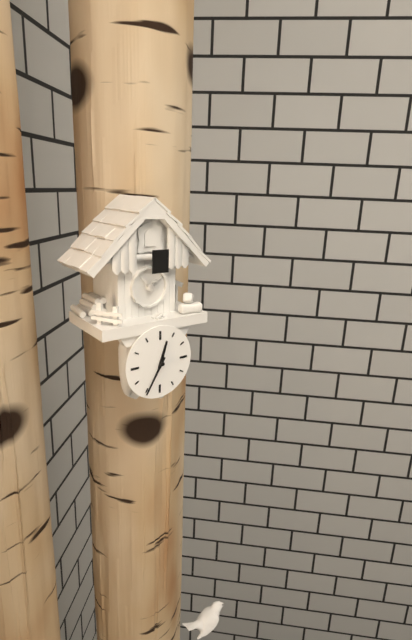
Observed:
12h35
